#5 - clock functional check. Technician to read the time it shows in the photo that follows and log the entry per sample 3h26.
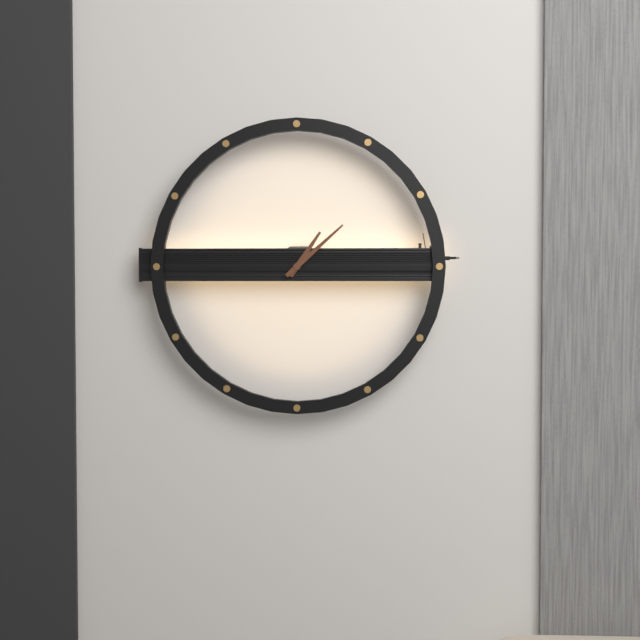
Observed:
1h08
